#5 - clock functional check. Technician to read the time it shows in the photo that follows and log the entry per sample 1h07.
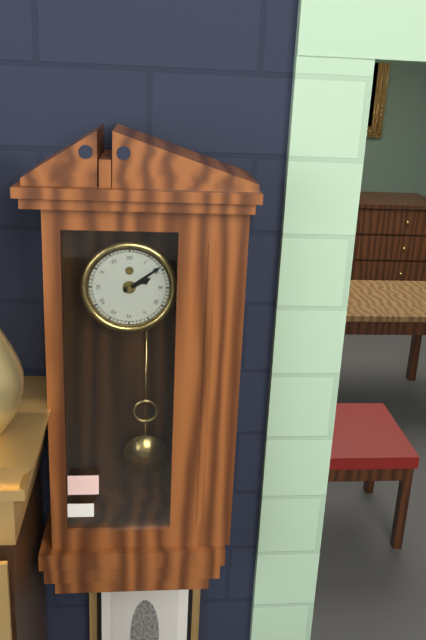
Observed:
2h09
